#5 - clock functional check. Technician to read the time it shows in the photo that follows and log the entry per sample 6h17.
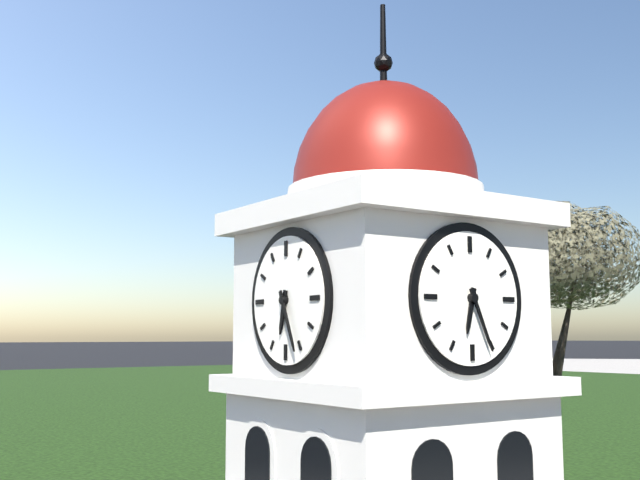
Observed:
6h26
